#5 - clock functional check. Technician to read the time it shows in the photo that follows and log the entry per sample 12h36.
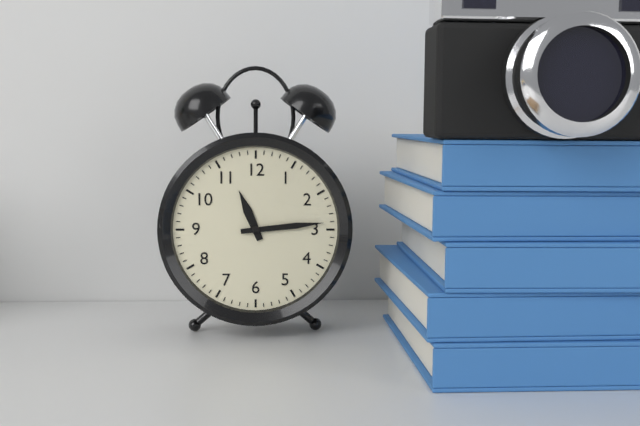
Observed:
11h14
